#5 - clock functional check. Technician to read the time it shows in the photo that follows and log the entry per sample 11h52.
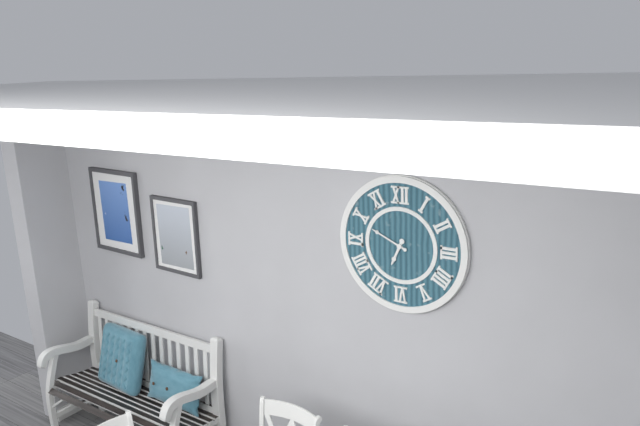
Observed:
6h49
